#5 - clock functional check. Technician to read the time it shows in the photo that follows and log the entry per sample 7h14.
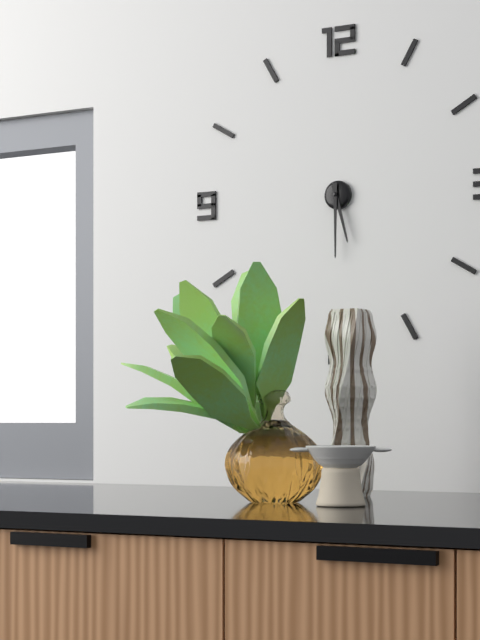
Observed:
5h30
